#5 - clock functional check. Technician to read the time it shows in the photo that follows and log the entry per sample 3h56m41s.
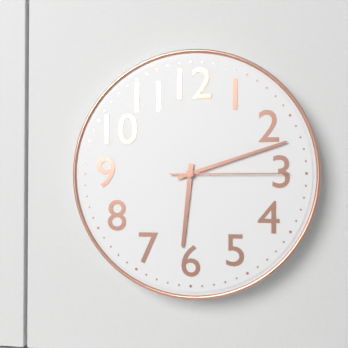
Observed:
6h12m15s
